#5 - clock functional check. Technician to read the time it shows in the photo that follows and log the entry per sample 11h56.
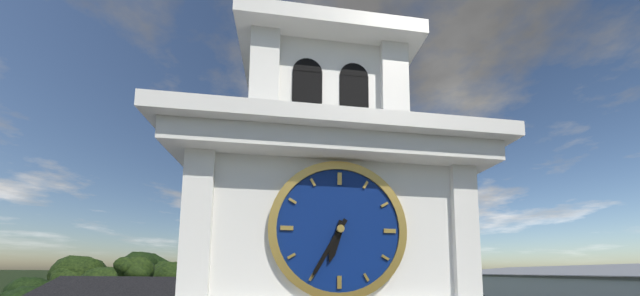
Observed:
6h35
